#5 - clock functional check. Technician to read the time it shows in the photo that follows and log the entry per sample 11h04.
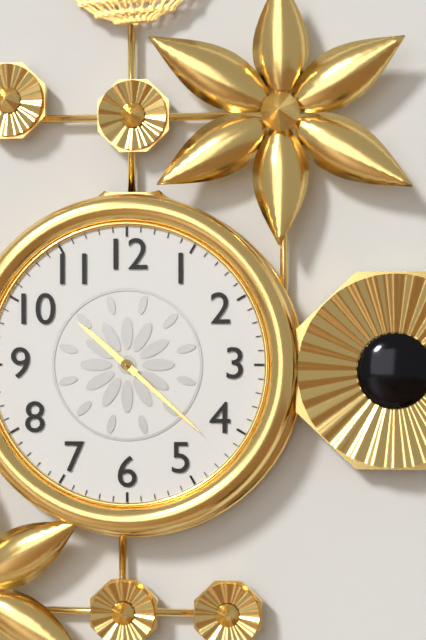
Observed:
10h22
